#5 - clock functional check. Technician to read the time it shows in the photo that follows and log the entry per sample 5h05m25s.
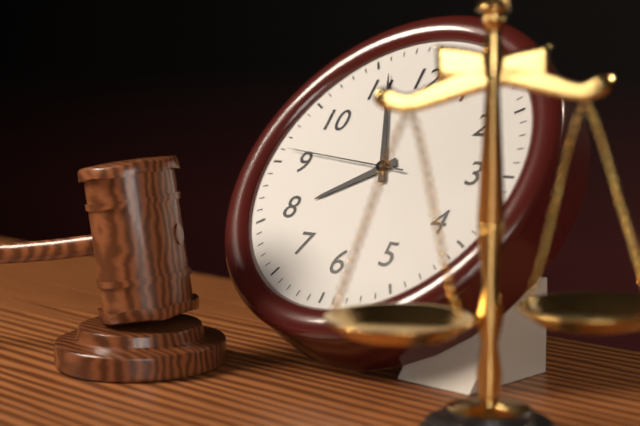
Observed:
7h56m46s
